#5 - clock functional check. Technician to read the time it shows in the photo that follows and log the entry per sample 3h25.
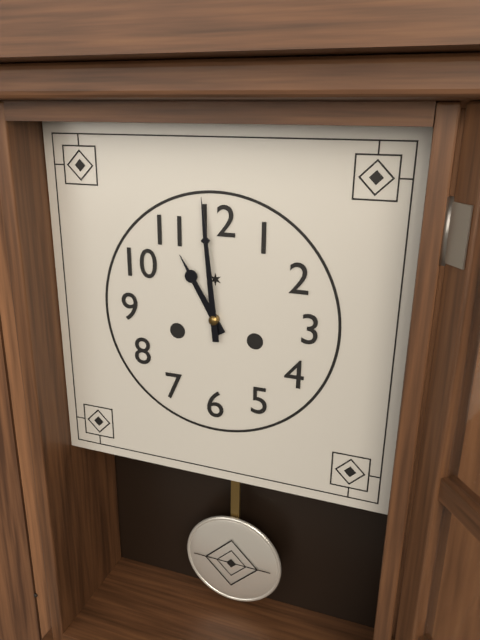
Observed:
10h59
